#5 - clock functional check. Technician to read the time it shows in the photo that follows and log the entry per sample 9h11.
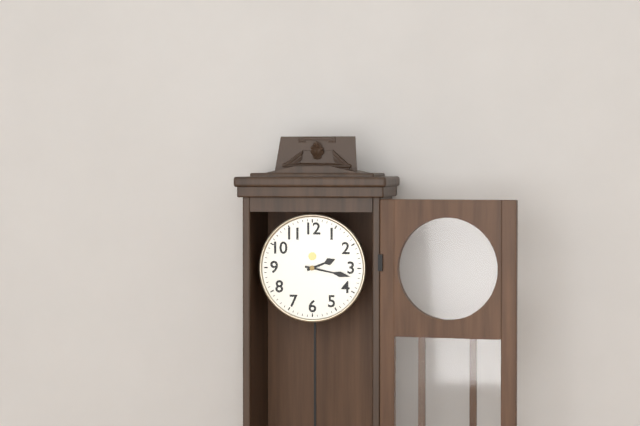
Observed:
2h17
